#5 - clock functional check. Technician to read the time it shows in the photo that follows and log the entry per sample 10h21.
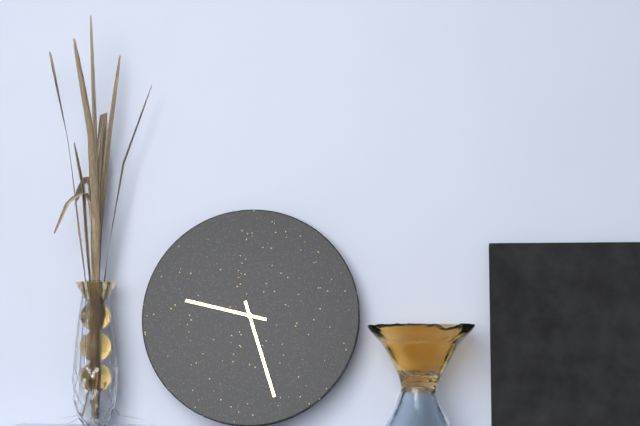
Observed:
9h27
